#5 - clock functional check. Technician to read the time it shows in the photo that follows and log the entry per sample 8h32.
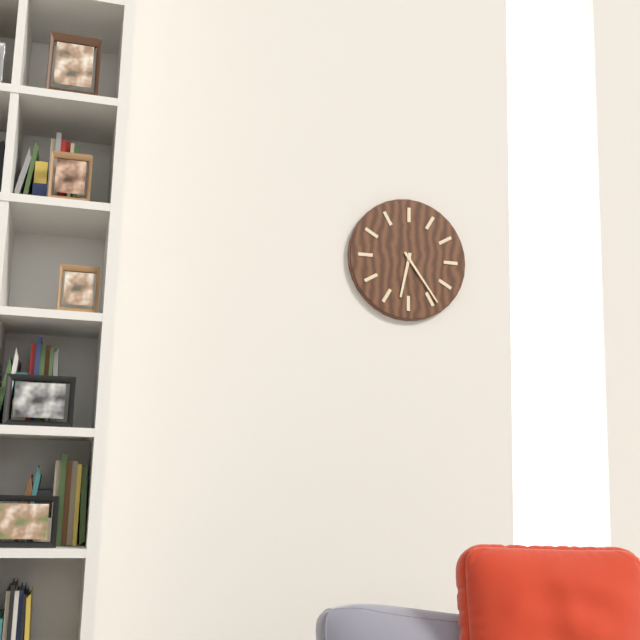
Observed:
6h24
